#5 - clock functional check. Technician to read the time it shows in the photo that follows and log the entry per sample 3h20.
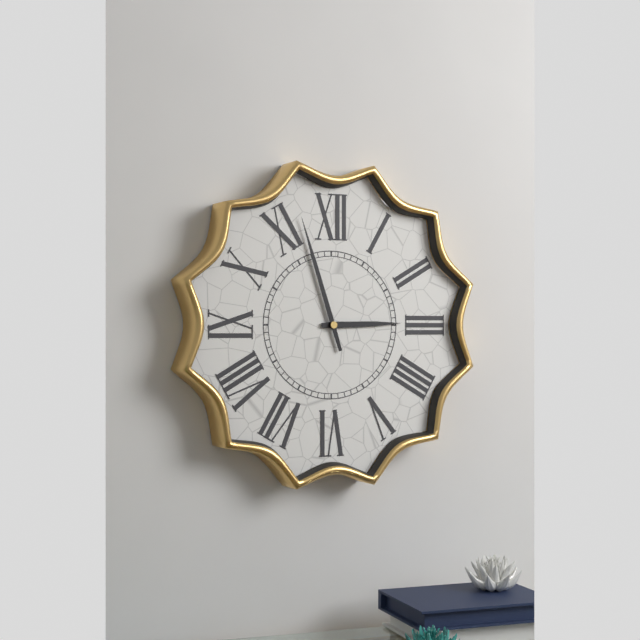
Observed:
2h57
